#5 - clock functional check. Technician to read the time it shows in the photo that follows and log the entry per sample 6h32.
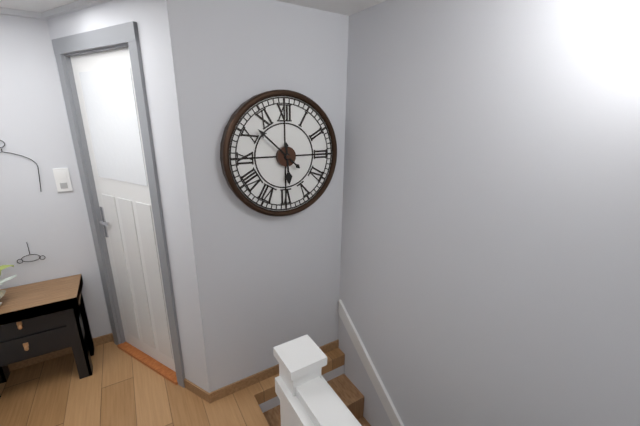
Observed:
5h52
